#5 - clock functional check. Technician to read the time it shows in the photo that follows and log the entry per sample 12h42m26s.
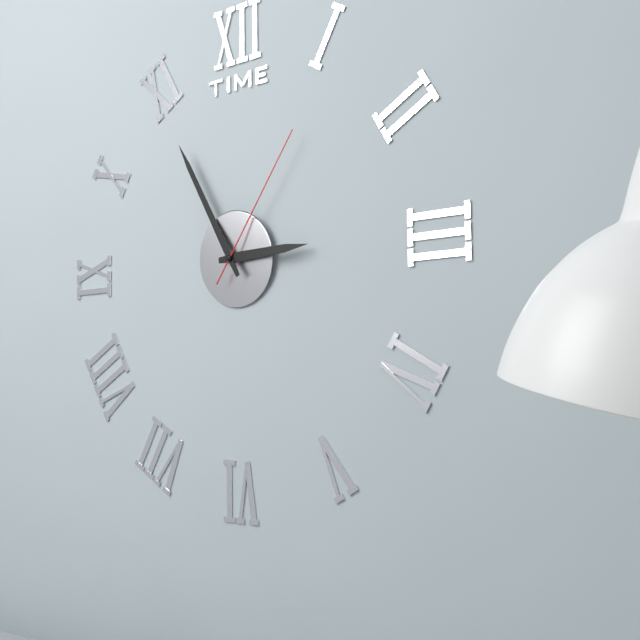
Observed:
2h55m06s
